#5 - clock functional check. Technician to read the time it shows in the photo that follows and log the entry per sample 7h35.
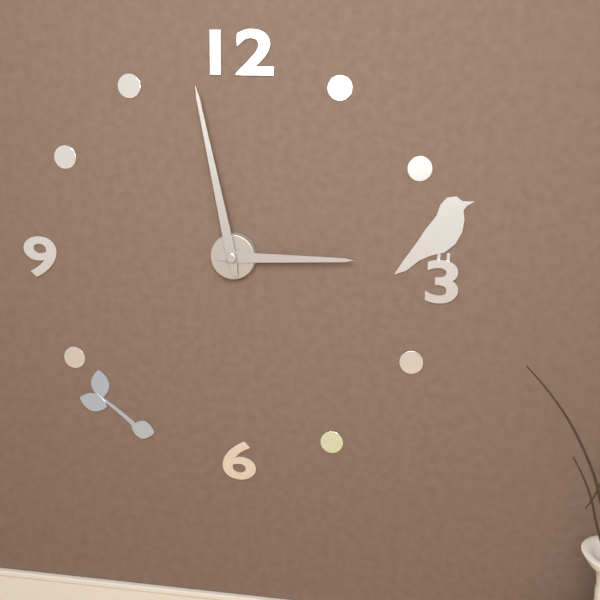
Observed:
2h58
